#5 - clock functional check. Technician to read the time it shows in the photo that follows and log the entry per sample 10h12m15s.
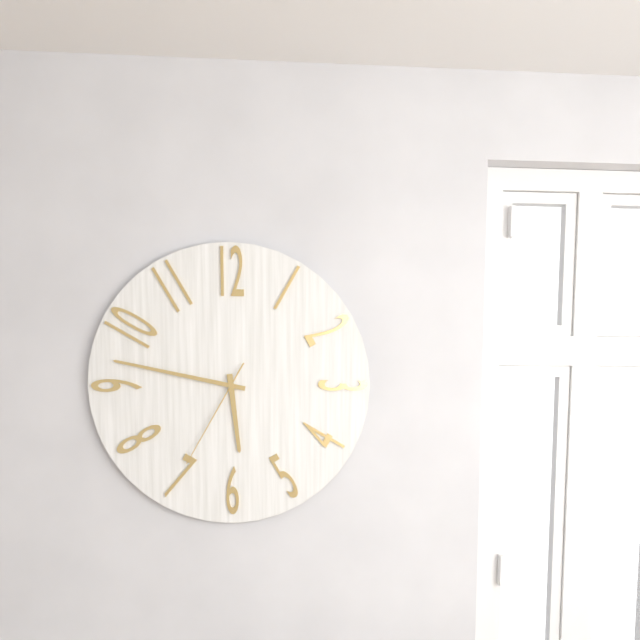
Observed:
5h47m35s
